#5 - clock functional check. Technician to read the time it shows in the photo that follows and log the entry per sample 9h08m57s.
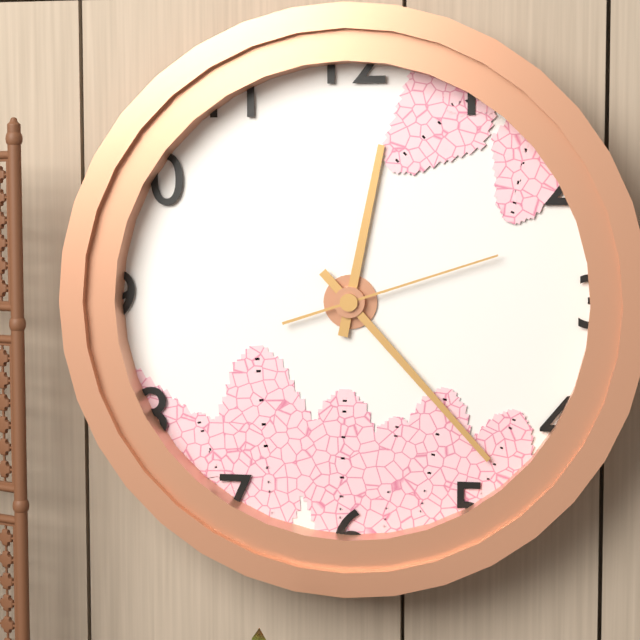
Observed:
12h23m12s
